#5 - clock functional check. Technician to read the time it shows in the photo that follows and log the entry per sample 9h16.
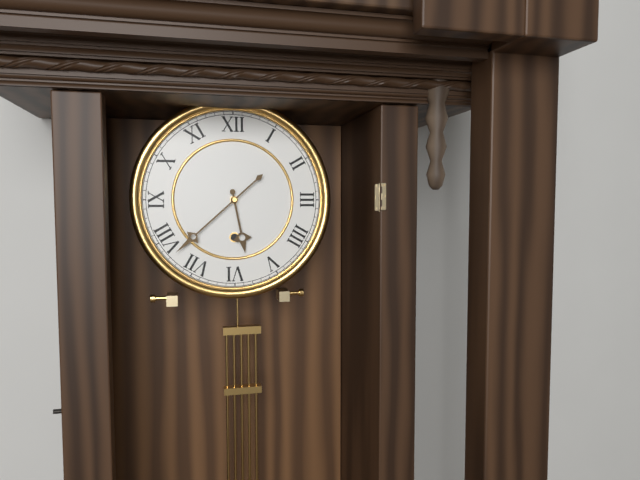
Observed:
5h38
